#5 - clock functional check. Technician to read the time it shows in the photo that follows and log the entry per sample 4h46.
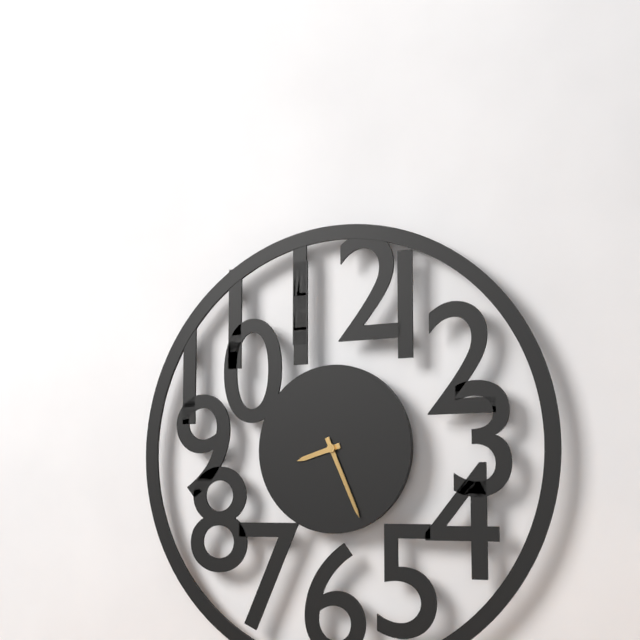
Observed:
8h26
